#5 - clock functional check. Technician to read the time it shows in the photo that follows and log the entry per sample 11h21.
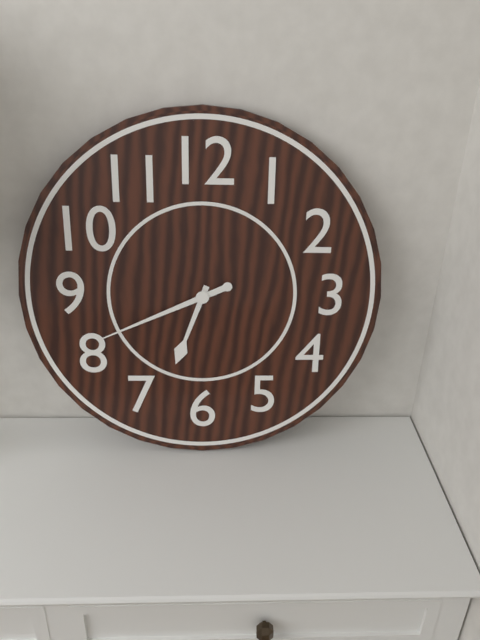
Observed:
6h41
